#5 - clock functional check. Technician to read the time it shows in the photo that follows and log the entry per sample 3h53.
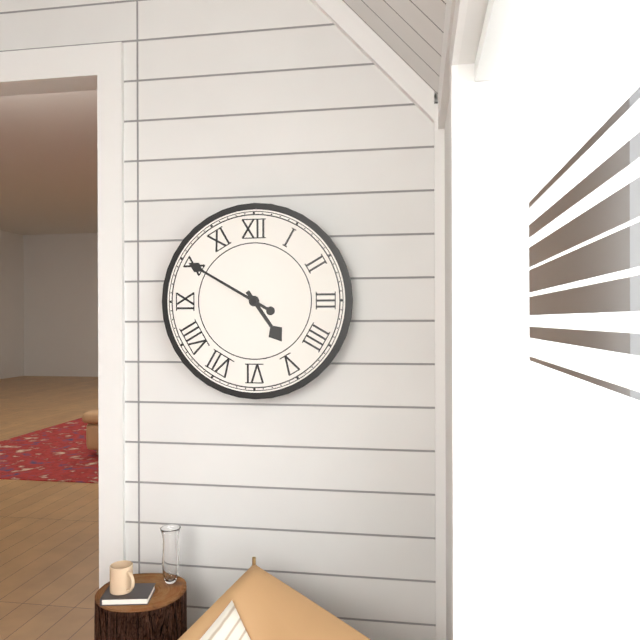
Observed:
4h50
